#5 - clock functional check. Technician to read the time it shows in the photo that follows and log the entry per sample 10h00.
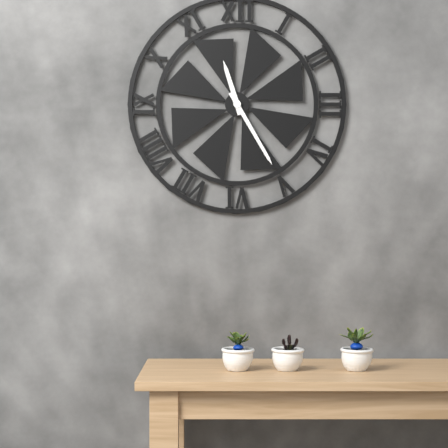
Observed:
11h25
